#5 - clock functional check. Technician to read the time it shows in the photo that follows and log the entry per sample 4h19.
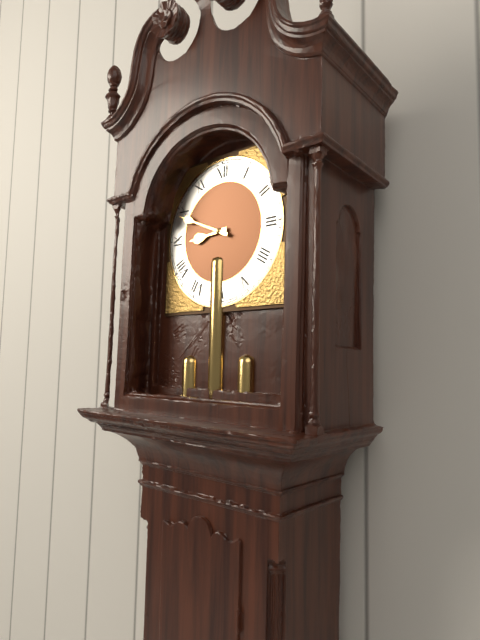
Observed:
8h49
